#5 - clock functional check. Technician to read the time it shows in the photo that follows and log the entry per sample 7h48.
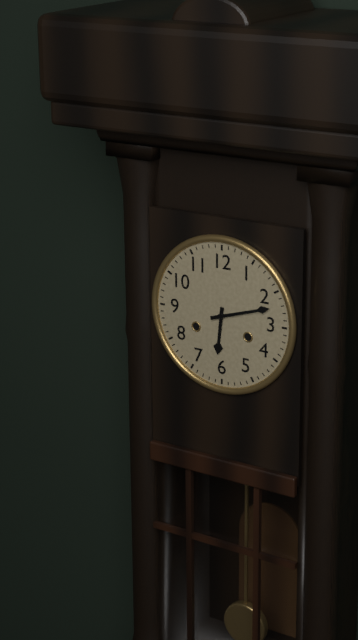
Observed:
6h12
